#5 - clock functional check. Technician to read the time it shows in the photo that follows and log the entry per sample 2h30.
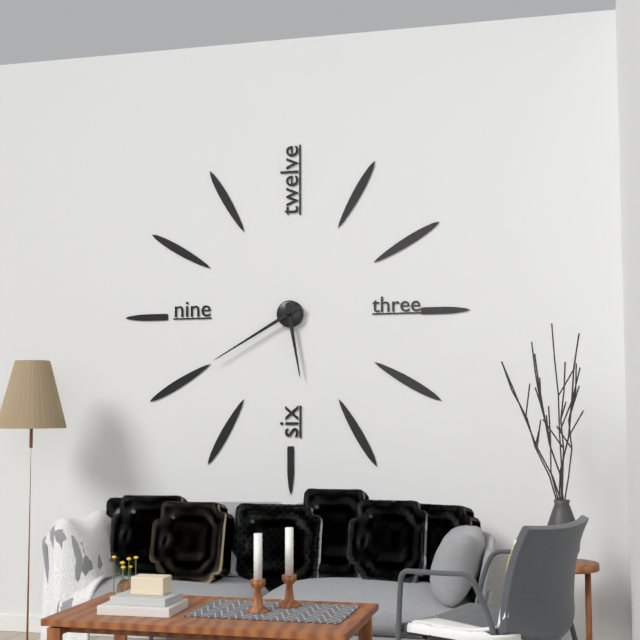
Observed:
5h40
